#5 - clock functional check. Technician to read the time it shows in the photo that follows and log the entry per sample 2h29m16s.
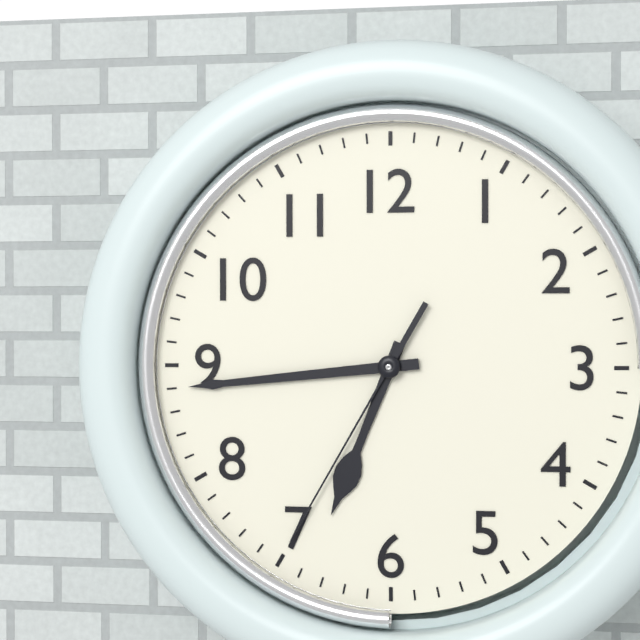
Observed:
6h44m35s
